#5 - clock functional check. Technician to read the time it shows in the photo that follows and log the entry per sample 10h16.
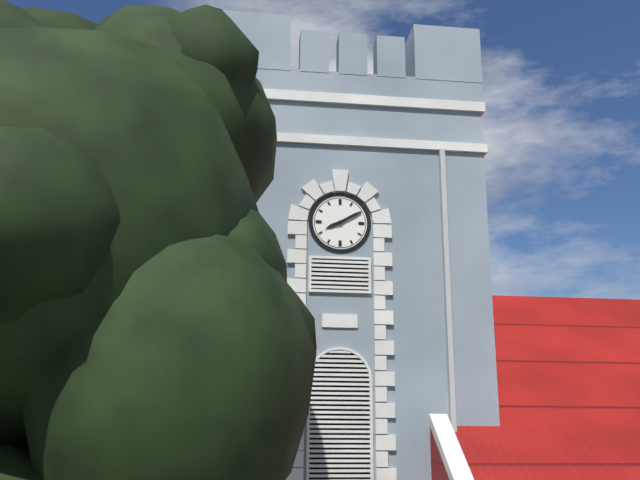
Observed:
8h10
